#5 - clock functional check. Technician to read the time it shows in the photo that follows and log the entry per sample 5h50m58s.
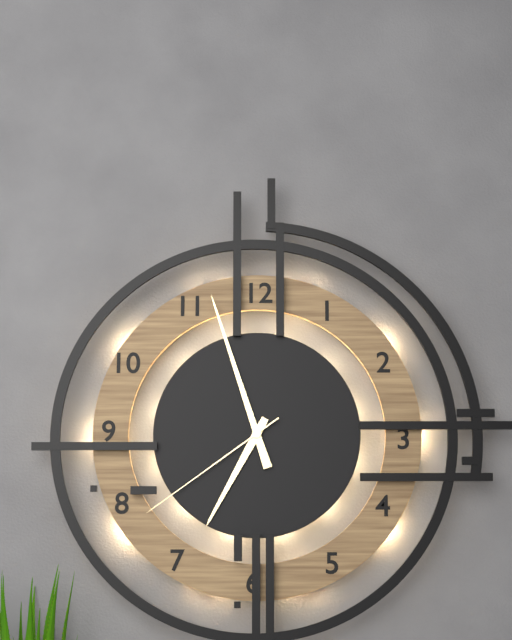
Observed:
6h57m39s
